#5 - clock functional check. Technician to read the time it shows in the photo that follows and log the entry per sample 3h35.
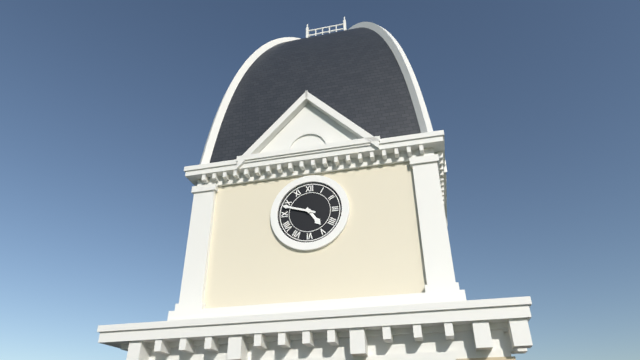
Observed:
4h48
